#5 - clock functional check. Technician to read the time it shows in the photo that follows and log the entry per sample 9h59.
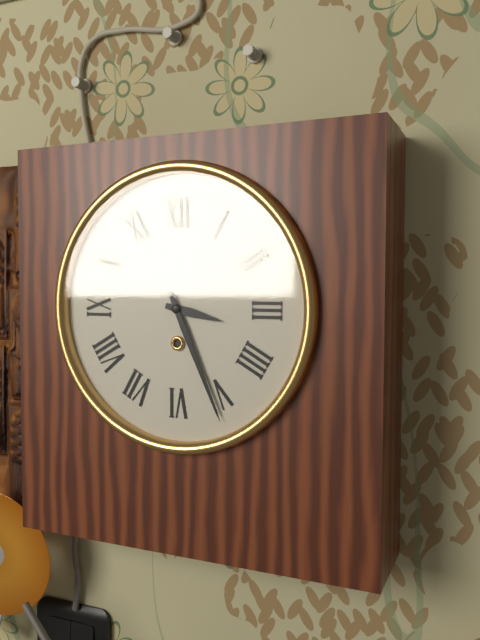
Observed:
3h26
